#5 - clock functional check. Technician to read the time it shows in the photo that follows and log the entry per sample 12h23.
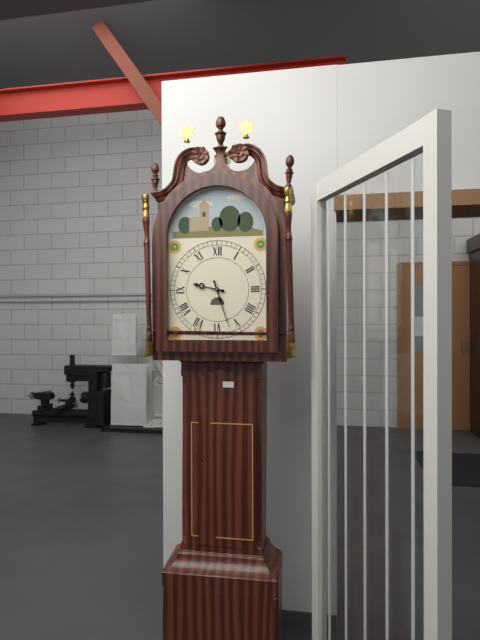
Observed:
9h27
